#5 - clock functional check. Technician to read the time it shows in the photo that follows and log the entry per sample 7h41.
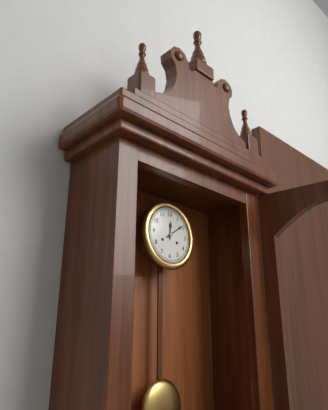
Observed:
12h09
